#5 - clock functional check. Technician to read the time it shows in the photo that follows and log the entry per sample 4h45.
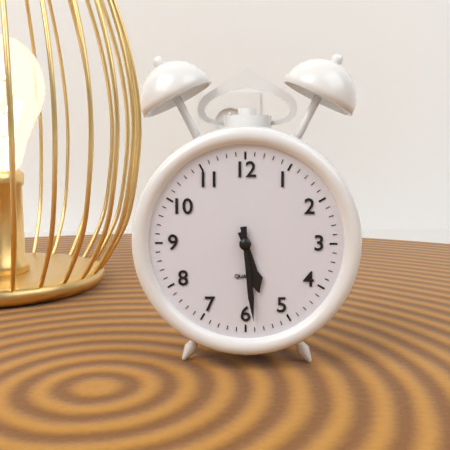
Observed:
5h29
